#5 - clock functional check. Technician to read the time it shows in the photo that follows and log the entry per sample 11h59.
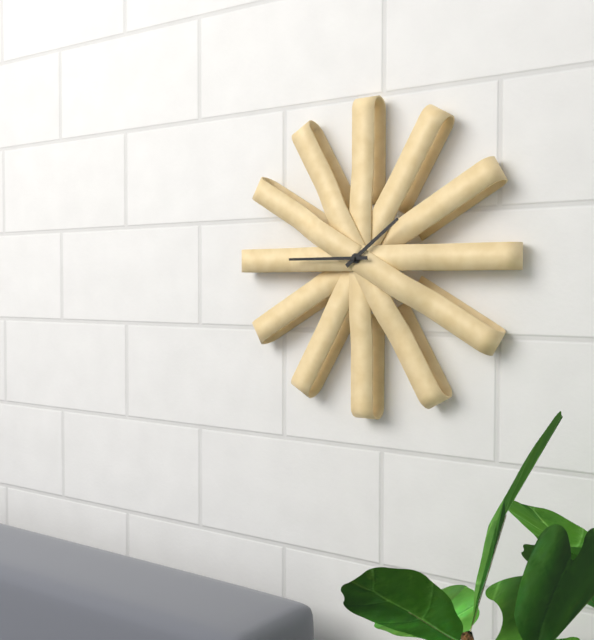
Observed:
1h45
